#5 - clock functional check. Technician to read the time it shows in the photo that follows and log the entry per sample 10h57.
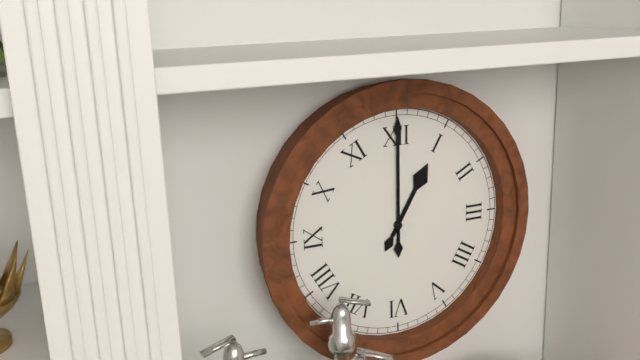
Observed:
1h00
